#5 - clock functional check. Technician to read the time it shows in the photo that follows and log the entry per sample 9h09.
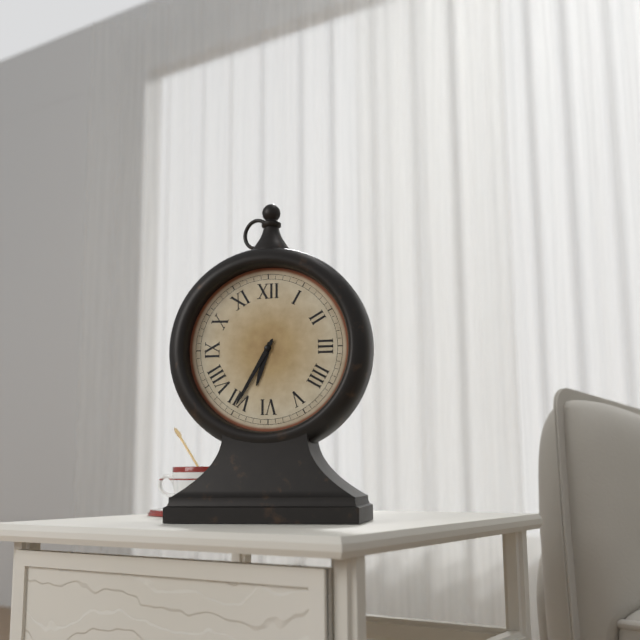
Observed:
6h35
